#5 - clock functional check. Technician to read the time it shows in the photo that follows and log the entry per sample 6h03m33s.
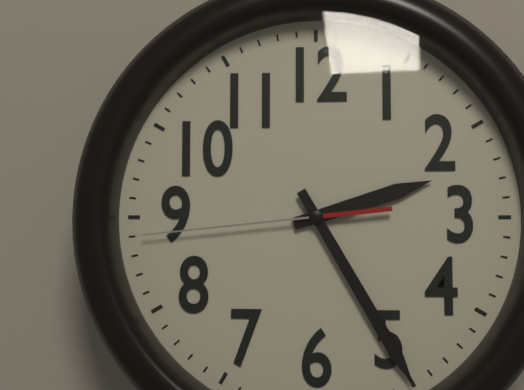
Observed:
2h25m44s
